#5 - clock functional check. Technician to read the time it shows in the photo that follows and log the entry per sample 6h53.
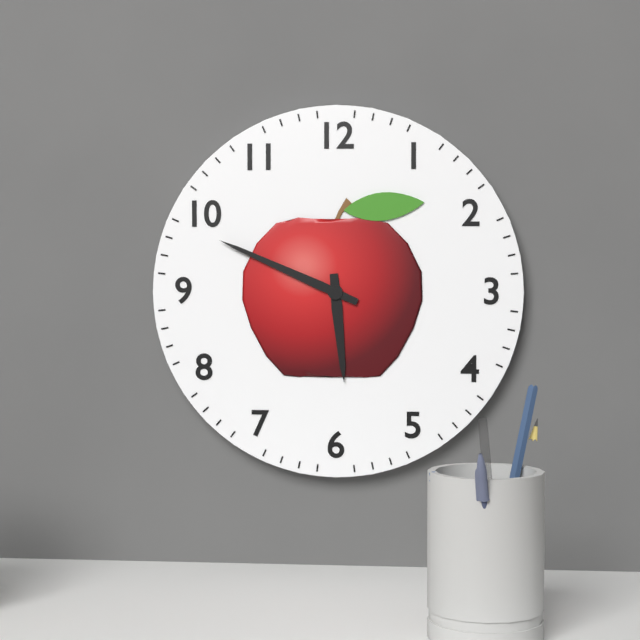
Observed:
5h49
